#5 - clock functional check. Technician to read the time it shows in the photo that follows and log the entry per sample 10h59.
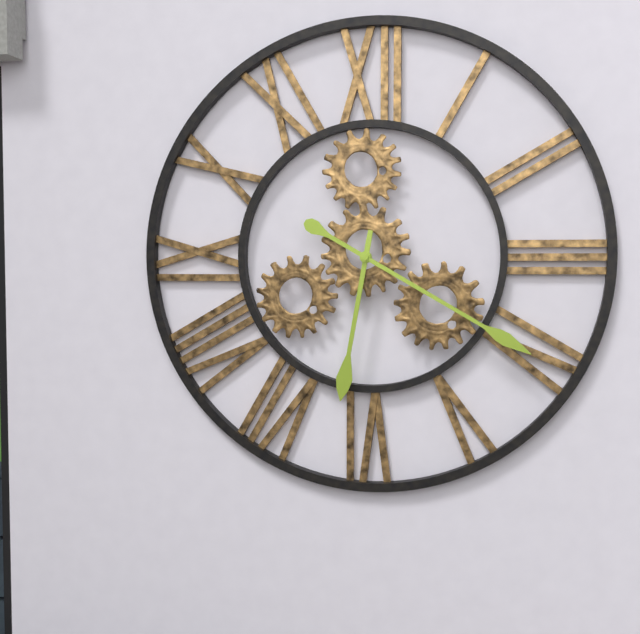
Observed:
6h20
